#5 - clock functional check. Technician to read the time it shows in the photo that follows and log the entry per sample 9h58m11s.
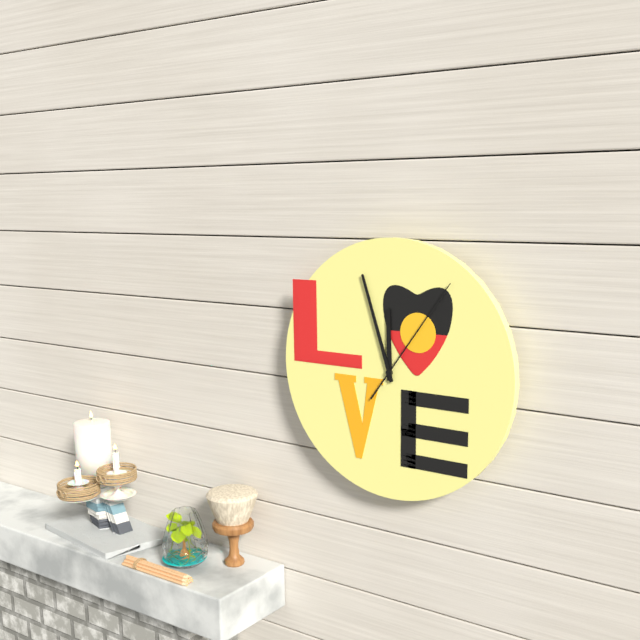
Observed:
11h57m06s
